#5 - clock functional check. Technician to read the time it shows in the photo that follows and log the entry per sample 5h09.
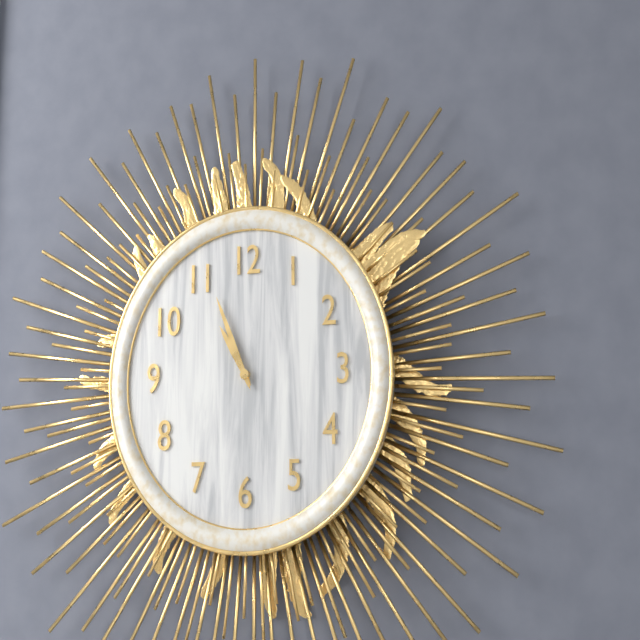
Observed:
10h56
